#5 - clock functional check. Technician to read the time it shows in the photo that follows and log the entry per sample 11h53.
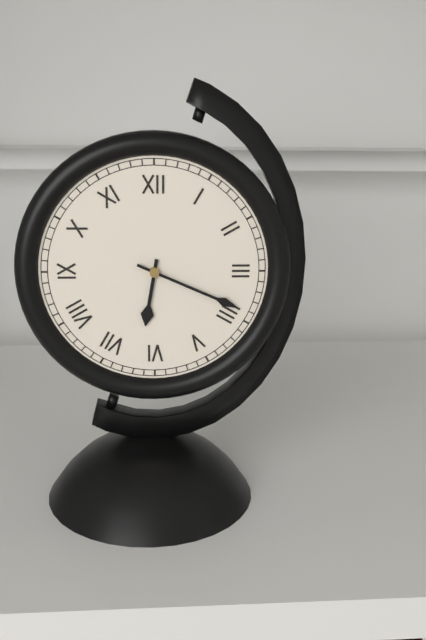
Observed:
6h19
